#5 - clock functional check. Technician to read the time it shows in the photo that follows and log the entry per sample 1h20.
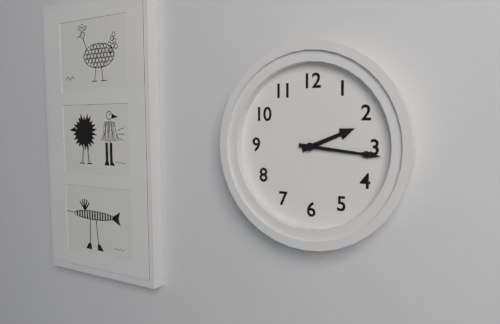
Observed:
2h16
